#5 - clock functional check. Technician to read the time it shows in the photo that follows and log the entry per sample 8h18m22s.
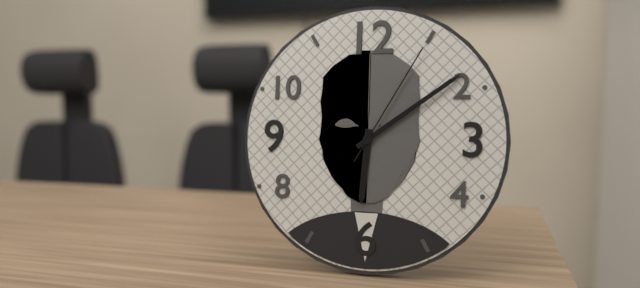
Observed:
6h09m05s
